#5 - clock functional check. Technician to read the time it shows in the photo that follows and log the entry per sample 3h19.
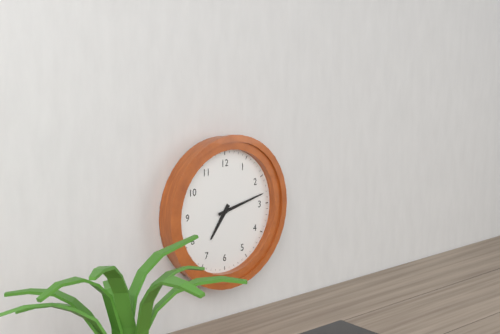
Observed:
7h13
